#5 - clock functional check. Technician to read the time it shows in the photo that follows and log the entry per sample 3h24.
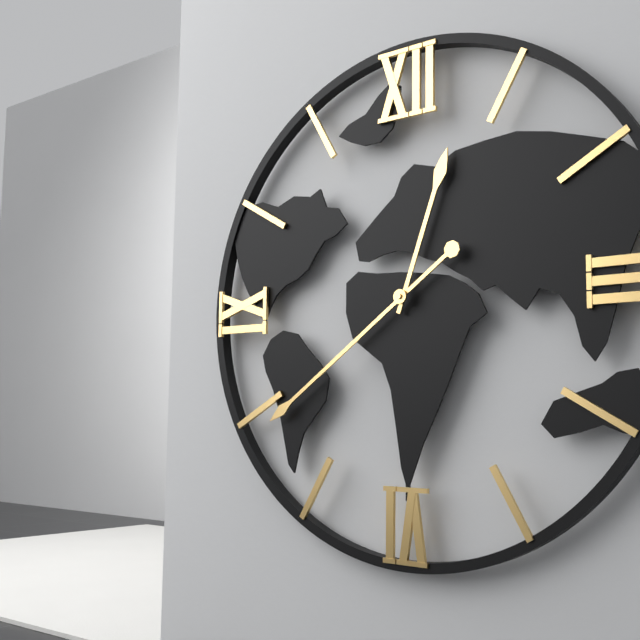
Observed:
12h39
